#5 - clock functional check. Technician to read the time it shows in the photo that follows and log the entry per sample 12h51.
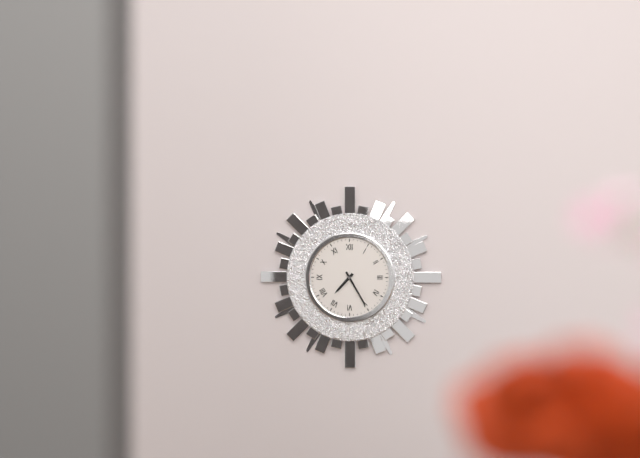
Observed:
7h25
